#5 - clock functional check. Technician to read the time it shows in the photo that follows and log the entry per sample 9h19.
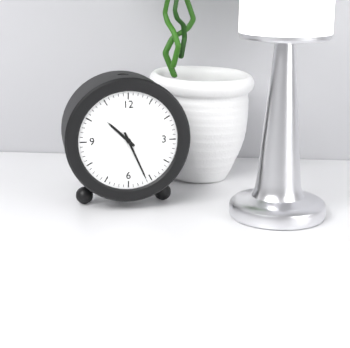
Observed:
10h26
